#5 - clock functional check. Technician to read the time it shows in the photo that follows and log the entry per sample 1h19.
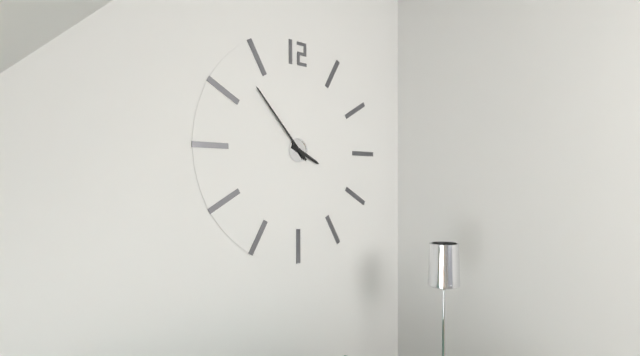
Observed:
3h53
